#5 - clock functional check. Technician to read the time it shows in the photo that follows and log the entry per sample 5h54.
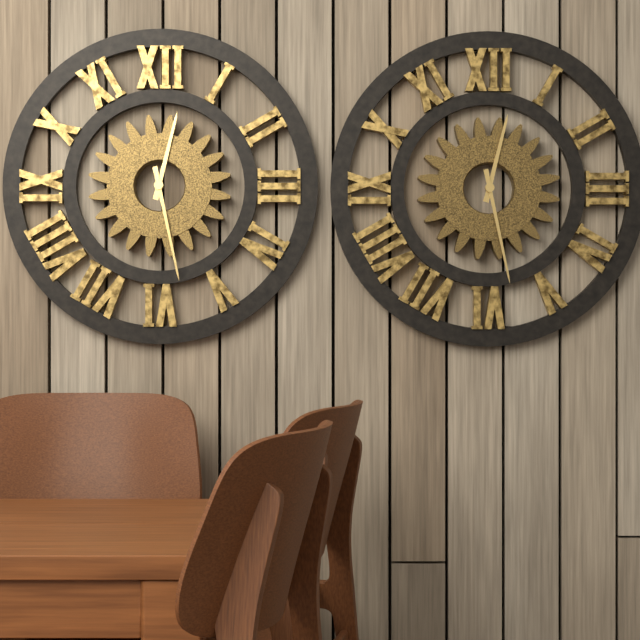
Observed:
12h28
